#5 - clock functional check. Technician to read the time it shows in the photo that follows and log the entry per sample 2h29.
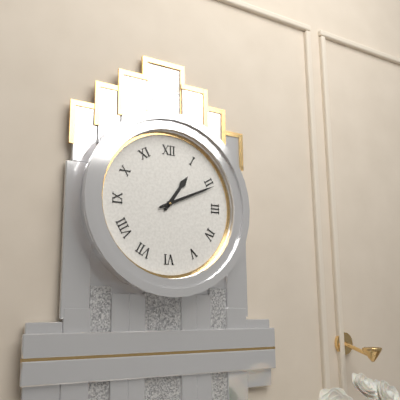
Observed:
1h11
